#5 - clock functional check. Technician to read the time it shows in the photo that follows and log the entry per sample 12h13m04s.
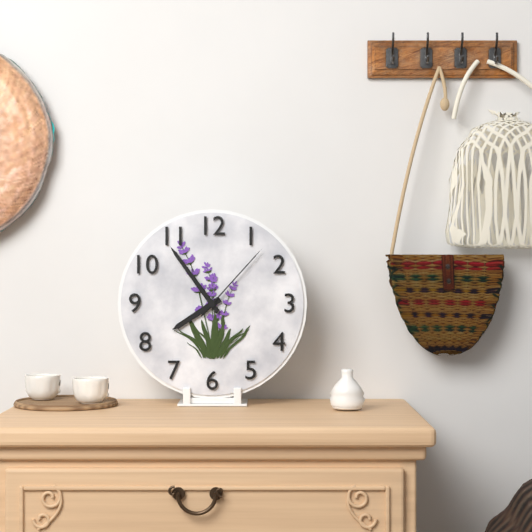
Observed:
7h54m07s
